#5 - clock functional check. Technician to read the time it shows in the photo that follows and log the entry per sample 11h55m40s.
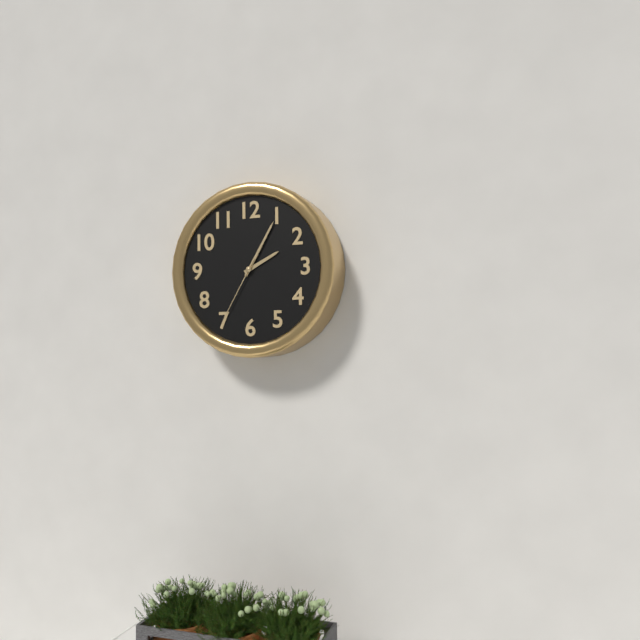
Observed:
2h05m35s
